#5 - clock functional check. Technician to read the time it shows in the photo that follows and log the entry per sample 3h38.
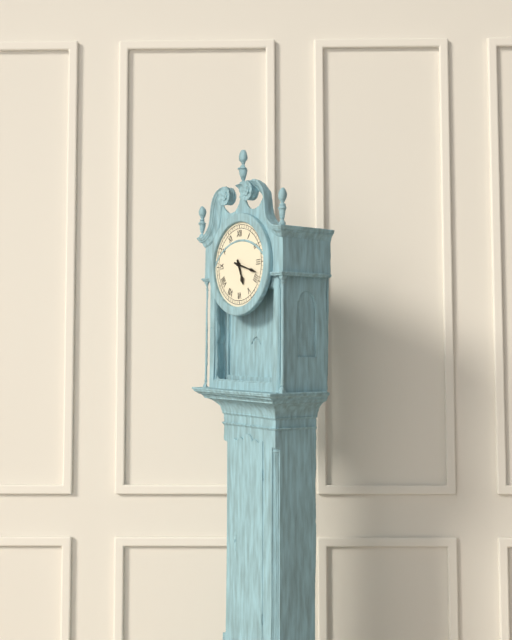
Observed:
5h18
